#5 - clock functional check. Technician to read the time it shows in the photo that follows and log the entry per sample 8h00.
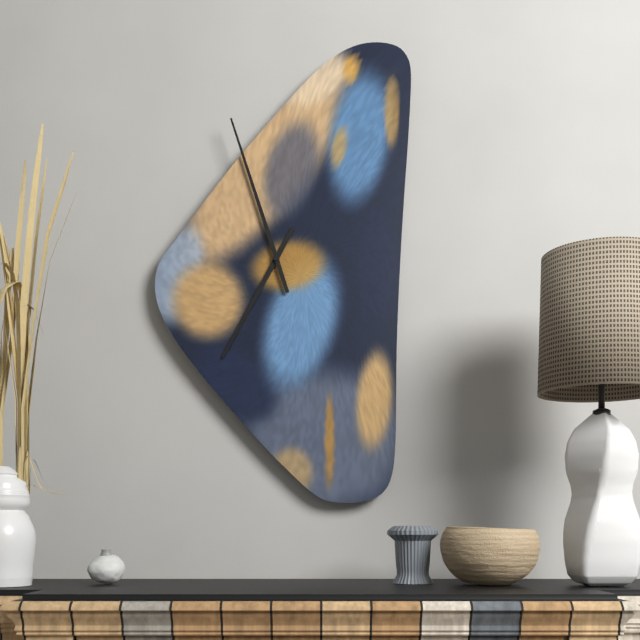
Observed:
6h57
